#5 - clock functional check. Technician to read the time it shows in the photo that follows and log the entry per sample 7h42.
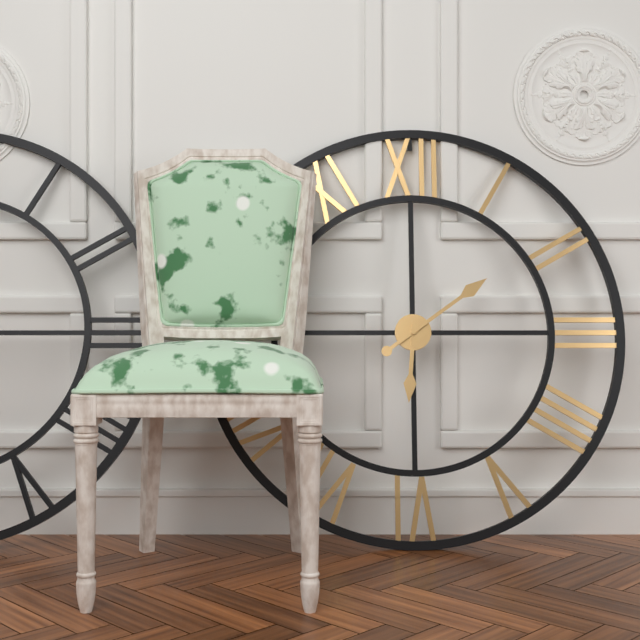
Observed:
6h09
